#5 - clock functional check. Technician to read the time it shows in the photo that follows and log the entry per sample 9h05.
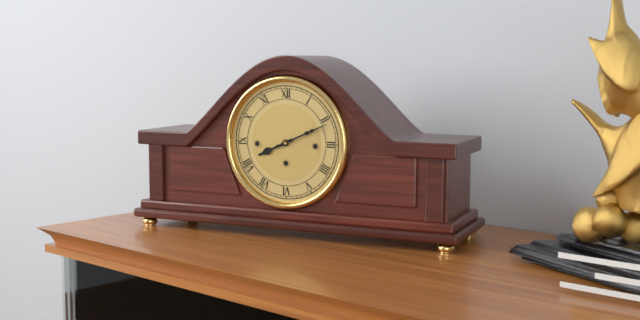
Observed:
8h11
